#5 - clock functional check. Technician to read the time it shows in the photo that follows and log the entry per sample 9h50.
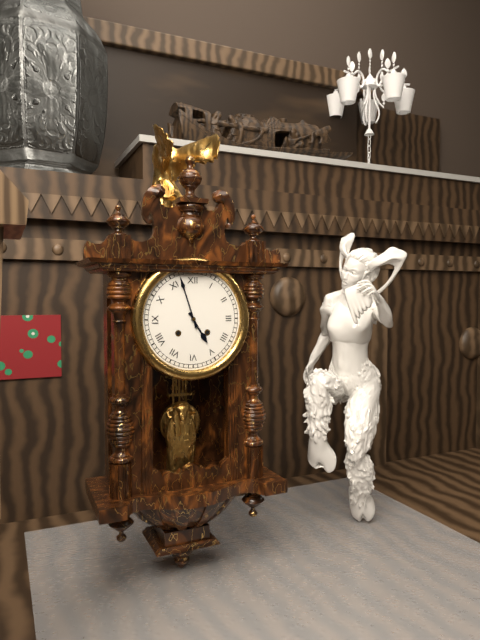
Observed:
4h57
